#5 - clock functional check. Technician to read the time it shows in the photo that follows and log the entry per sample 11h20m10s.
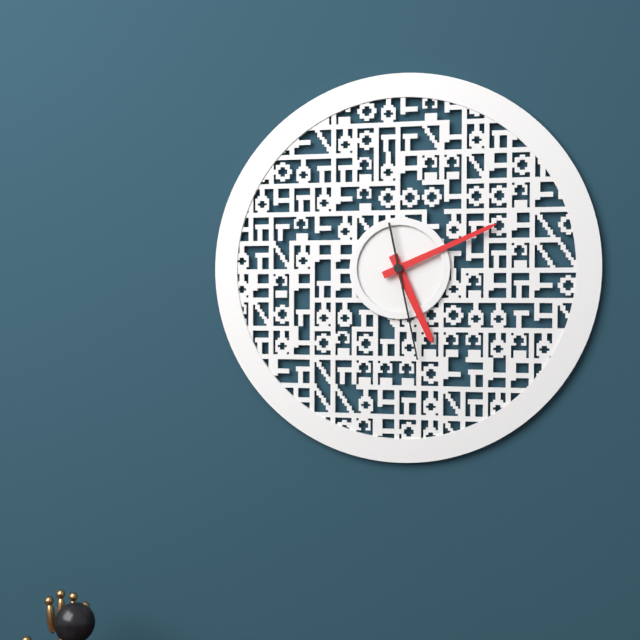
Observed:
5h11m28s
